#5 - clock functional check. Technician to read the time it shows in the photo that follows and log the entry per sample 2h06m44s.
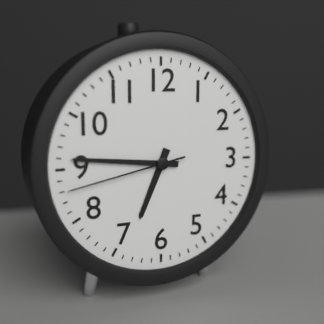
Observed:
6h46m43s
